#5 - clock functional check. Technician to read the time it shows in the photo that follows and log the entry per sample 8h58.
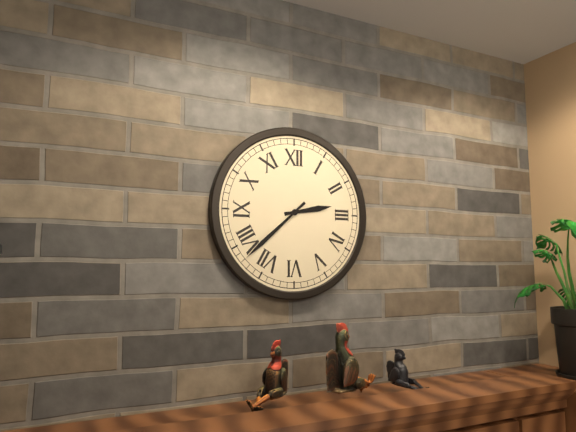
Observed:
2h38
